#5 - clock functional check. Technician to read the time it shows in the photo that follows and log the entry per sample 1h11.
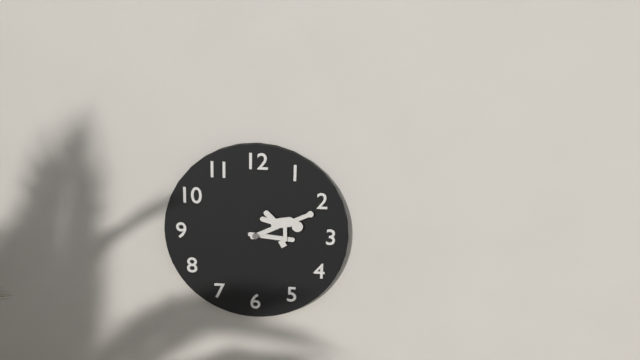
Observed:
3h10
